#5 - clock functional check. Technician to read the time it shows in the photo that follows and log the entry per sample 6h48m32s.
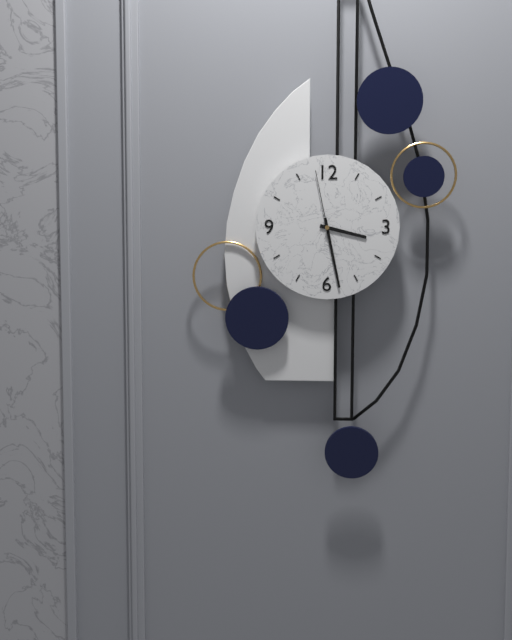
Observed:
3h28m58s
